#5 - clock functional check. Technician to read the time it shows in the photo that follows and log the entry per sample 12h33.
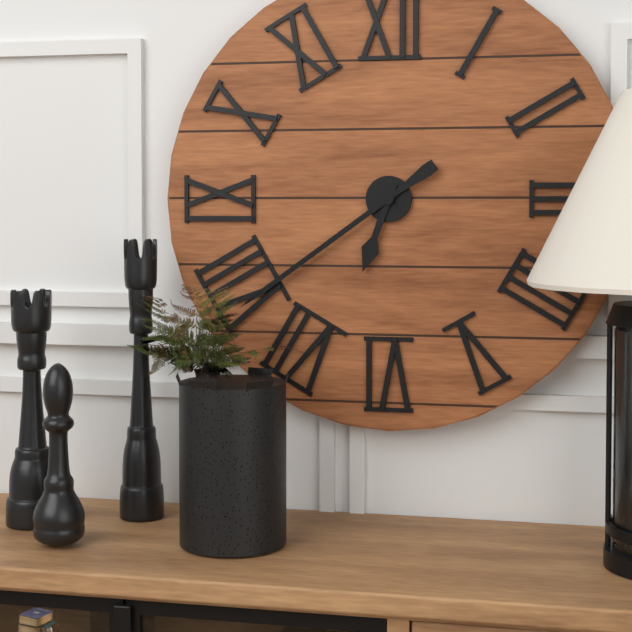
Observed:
6h39
